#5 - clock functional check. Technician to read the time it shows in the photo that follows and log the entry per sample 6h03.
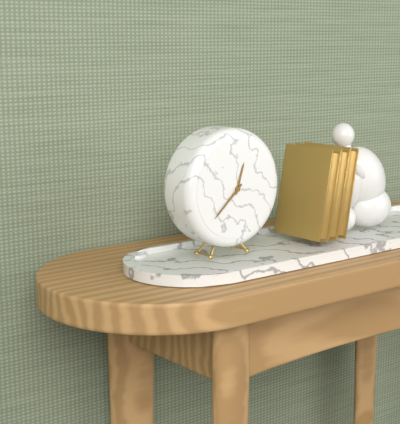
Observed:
12h38
